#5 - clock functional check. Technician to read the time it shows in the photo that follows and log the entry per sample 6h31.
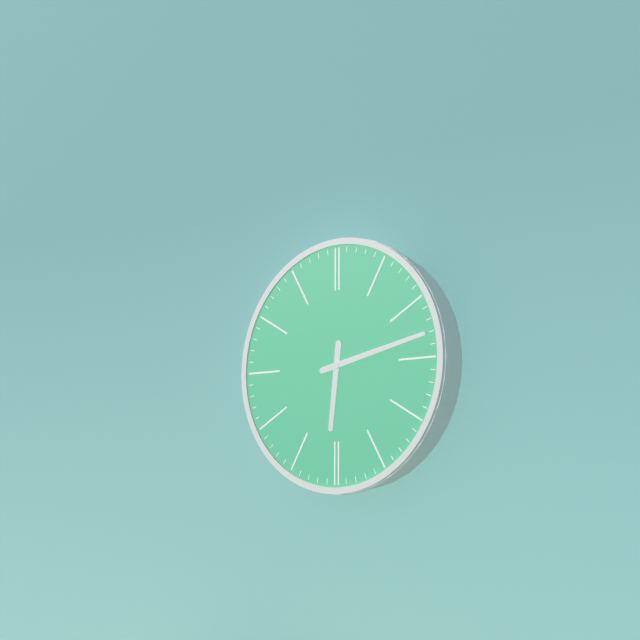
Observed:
6h13
